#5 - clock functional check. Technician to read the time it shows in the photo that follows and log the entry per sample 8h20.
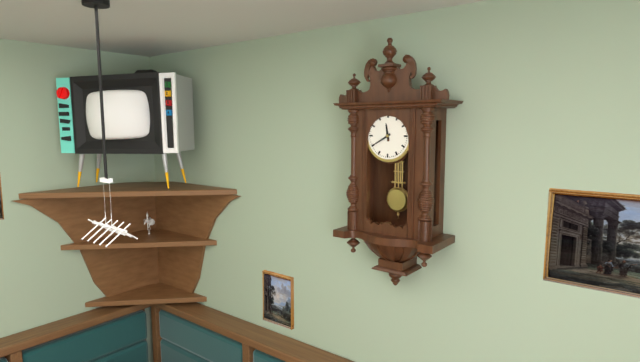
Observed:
11h40
